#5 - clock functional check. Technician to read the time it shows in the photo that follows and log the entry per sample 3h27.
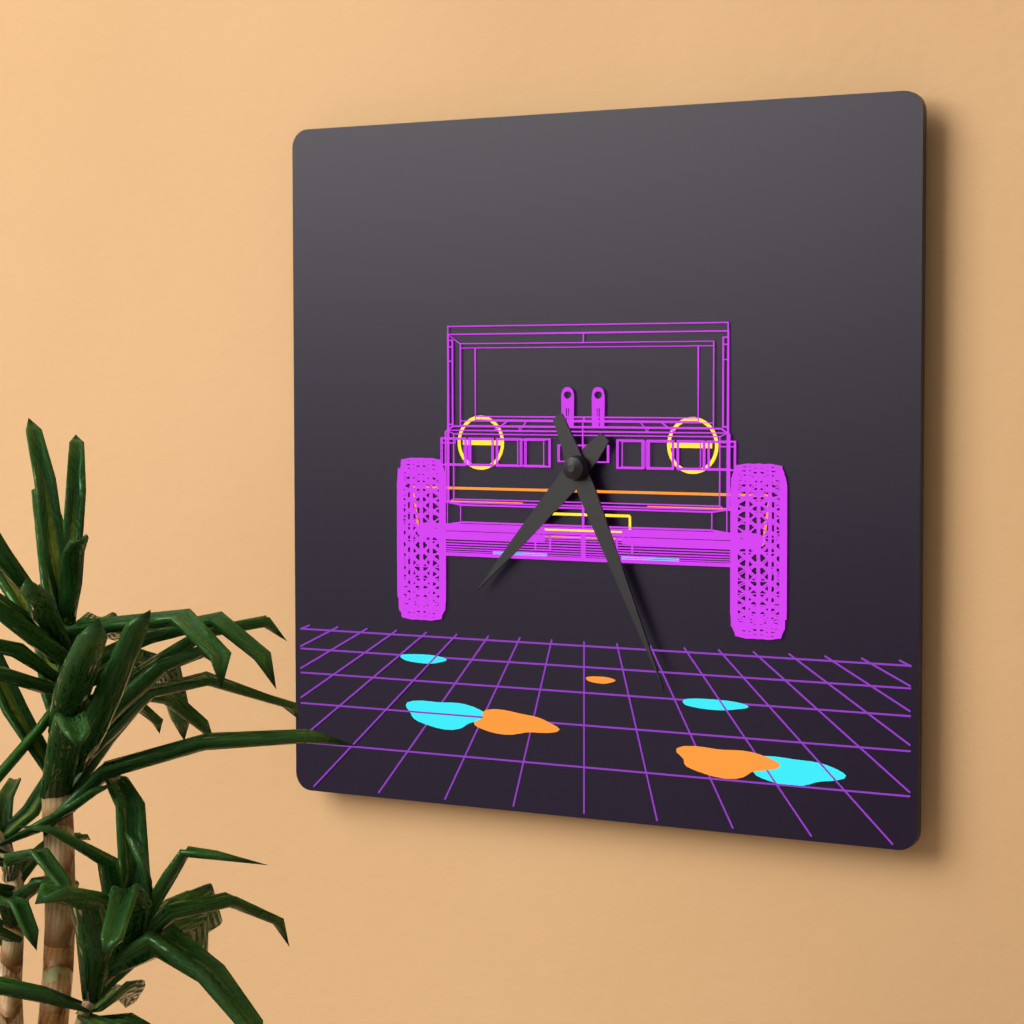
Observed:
7h26
